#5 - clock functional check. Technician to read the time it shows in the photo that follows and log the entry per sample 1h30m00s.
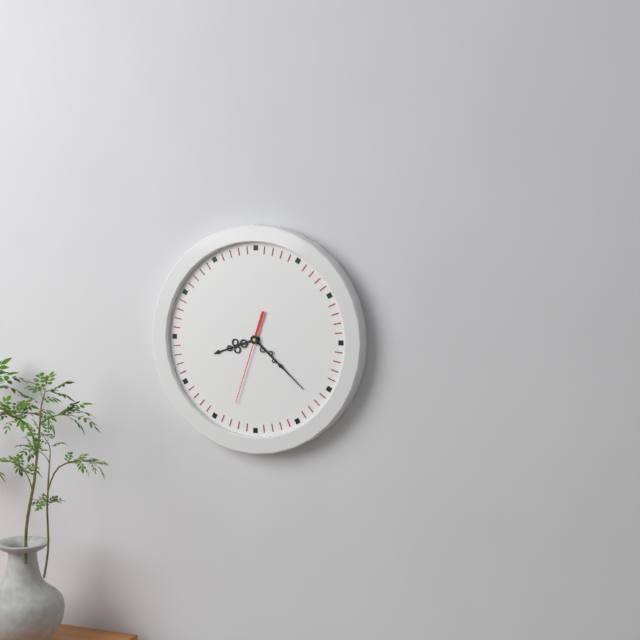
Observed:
8h22m33s
